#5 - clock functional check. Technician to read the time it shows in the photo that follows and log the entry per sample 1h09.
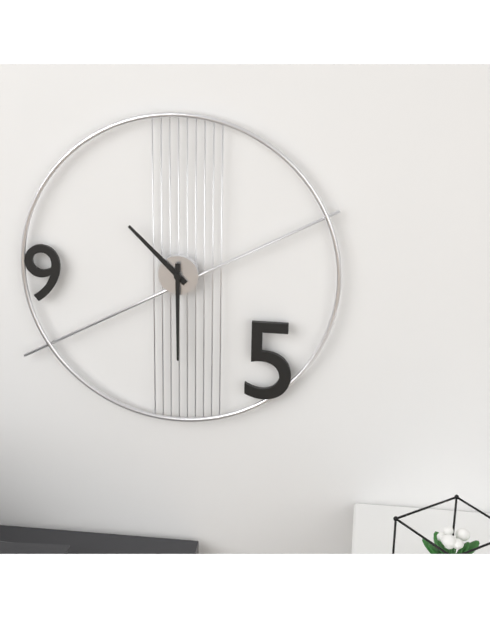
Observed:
10h30
